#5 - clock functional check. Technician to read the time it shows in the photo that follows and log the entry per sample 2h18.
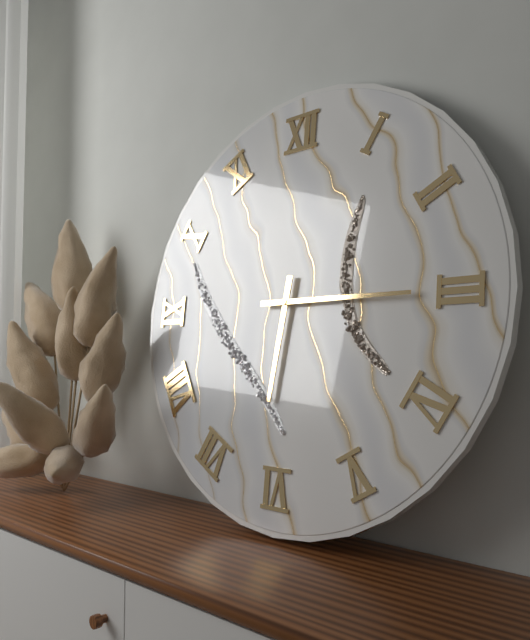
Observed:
6h15
